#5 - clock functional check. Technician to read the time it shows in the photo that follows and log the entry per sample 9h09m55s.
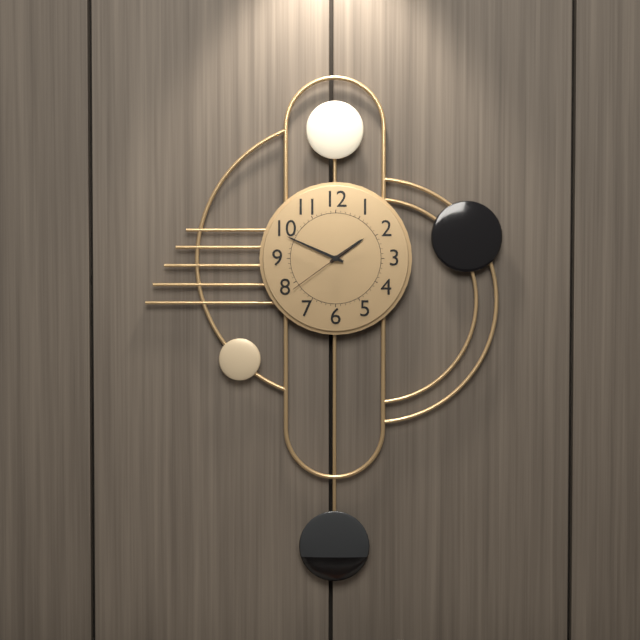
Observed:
1h49m39s
